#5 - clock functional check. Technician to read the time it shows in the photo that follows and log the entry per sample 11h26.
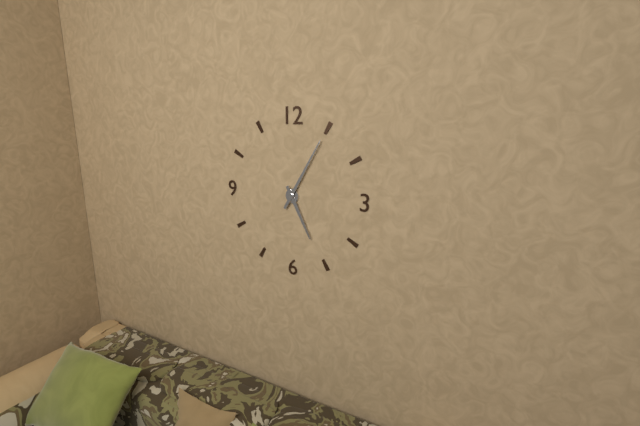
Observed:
5h05
